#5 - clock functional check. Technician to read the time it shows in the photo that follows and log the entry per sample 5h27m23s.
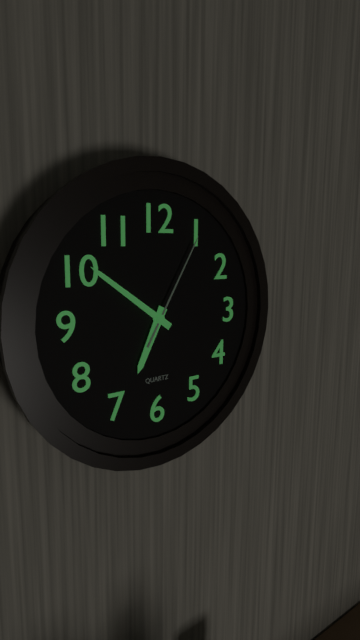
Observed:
6h51m05s
